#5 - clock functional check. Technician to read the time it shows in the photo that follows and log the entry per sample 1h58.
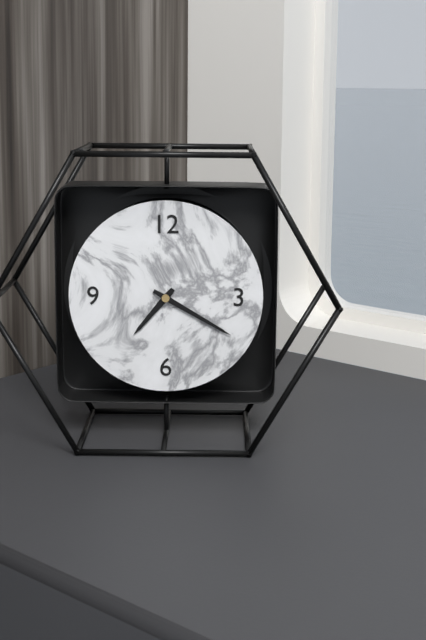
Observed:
7h20
